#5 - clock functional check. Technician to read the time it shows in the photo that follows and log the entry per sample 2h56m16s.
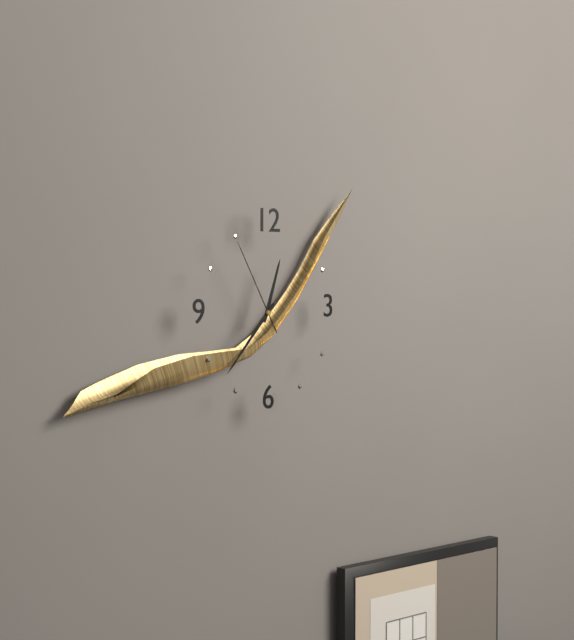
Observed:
12h37m55s
